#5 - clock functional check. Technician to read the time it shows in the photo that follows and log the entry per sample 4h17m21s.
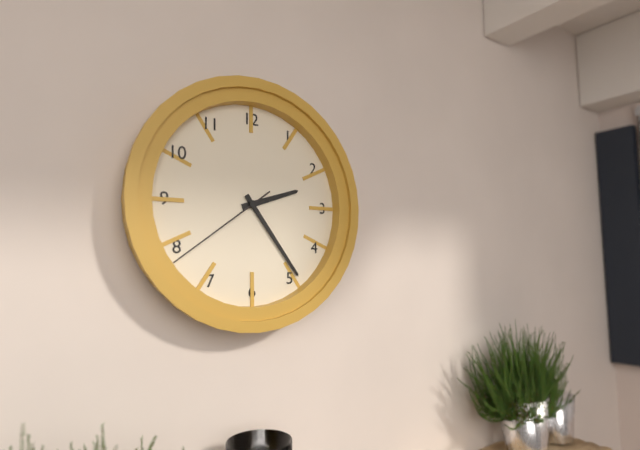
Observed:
2h24m39s
